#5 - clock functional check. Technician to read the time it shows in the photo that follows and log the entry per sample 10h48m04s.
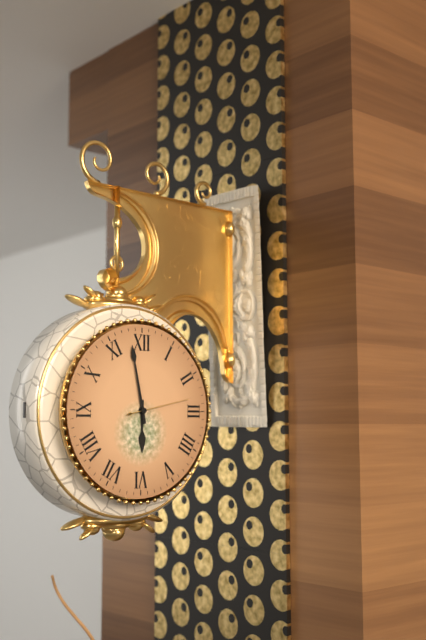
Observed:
5h58m13s
